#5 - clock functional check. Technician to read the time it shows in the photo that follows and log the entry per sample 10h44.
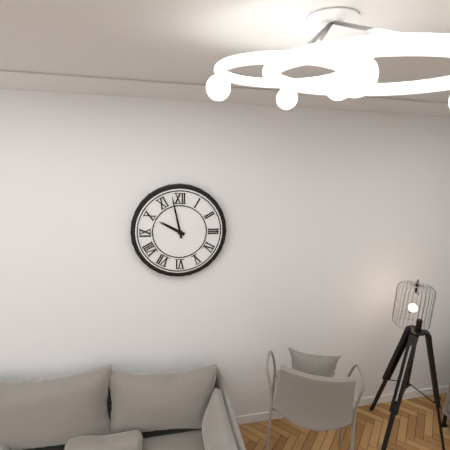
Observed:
9h58
